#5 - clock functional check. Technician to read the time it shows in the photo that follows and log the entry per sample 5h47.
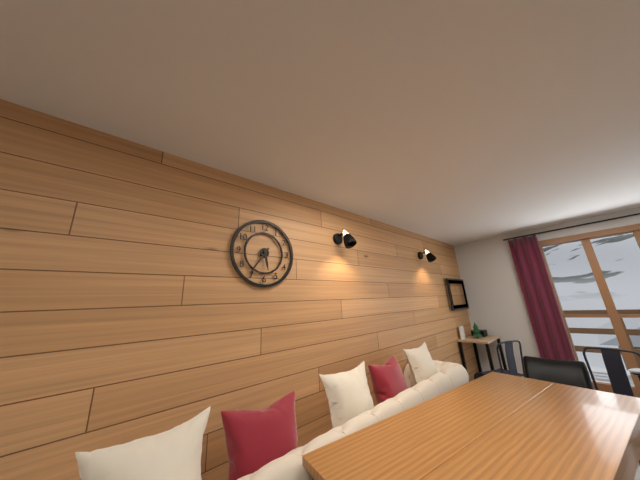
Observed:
5h36
